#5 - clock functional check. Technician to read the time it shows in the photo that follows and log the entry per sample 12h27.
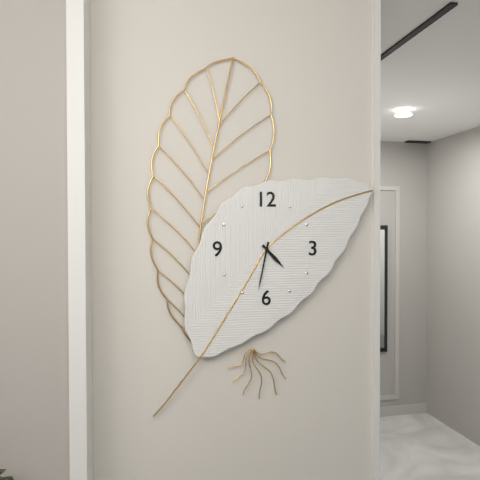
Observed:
4h32
